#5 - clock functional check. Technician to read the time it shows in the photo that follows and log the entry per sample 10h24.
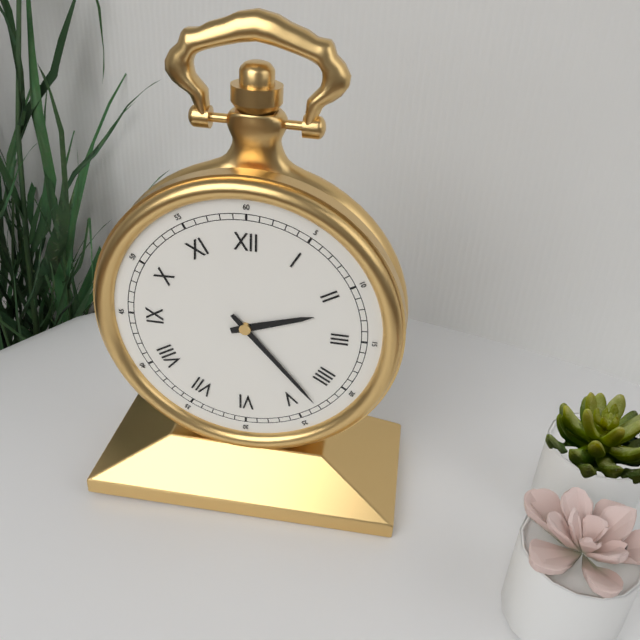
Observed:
2h23
